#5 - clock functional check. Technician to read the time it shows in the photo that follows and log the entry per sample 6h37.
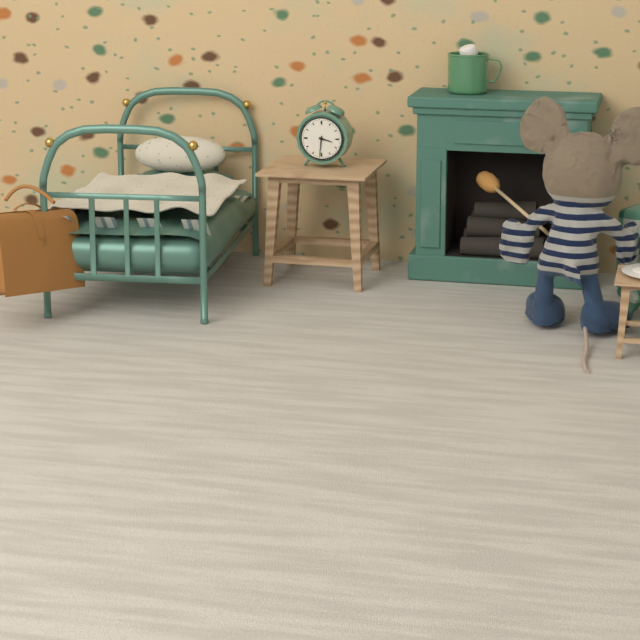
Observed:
3h31
